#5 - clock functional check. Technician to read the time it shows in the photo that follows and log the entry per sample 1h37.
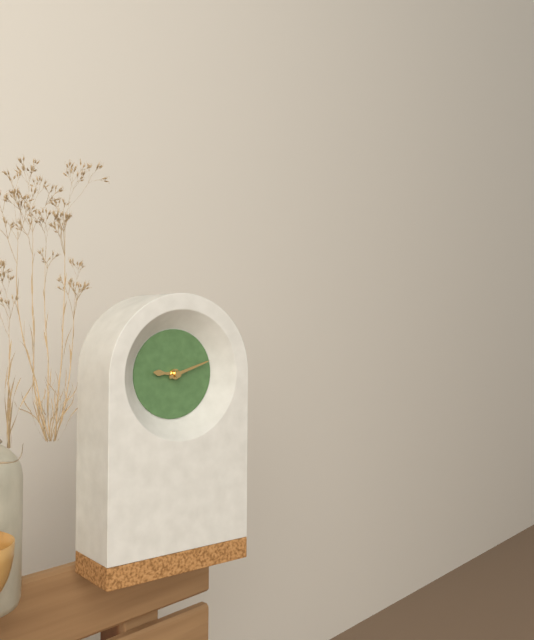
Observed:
9h12
